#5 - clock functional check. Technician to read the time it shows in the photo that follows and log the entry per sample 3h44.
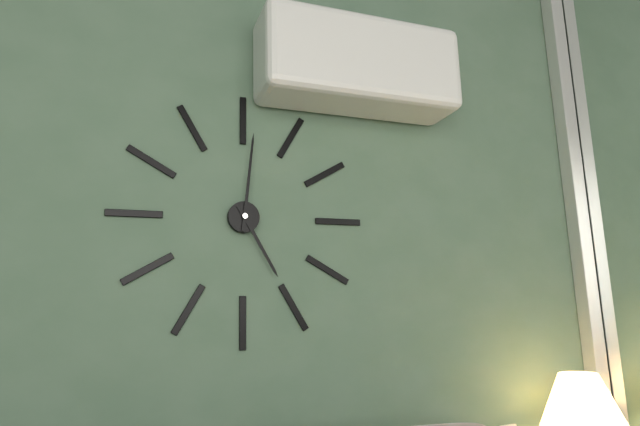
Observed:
5h01
